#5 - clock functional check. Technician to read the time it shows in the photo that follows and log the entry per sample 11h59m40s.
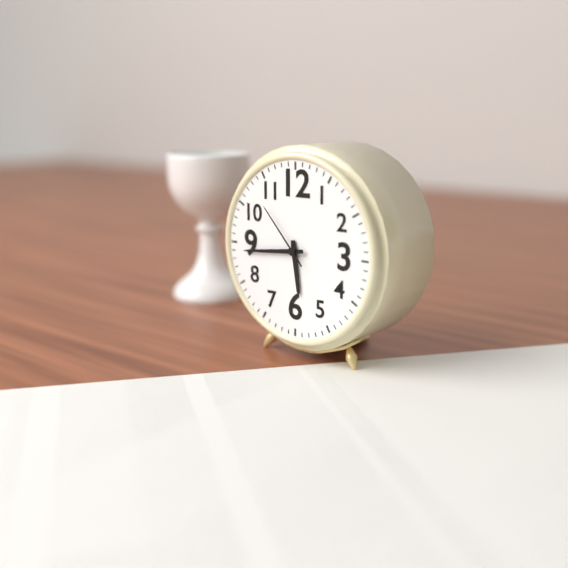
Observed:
5h44m53s
